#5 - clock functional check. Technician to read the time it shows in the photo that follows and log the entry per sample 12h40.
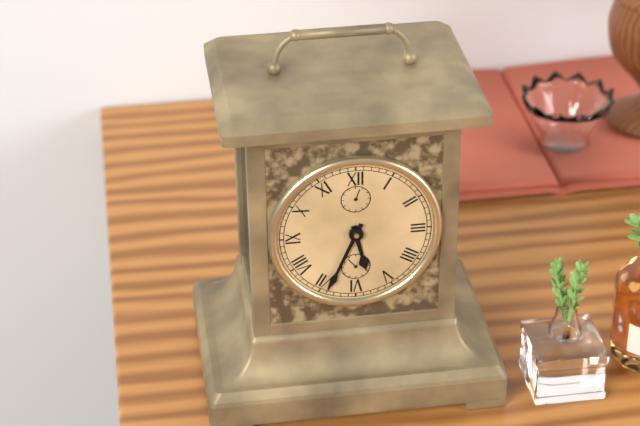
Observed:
5h34
